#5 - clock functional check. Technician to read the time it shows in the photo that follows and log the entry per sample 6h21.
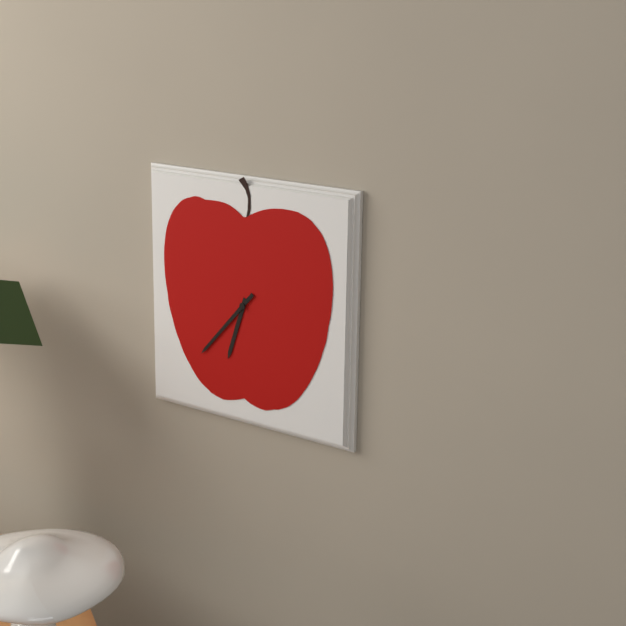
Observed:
6h37
